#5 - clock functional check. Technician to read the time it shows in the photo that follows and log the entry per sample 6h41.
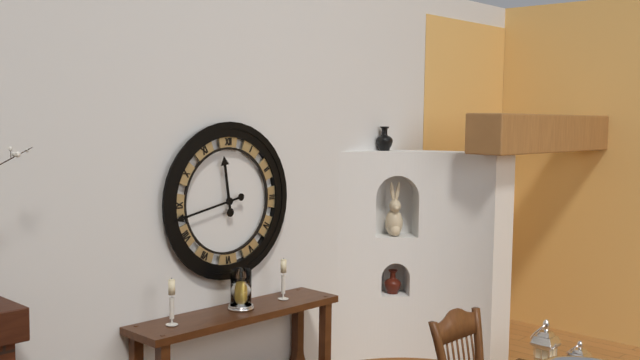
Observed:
11h43
